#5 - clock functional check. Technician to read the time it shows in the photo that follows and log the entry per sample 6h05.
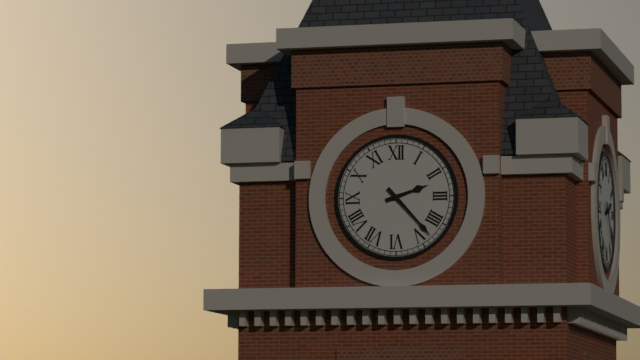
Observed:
2h23
